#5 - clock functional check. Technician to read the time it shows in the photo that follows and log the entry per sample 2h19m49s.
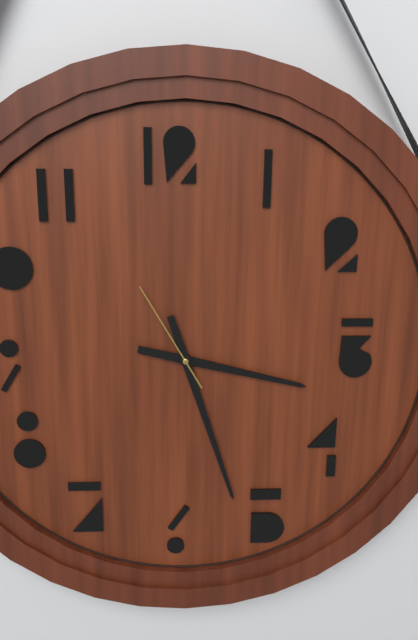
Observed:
3h27m55s
